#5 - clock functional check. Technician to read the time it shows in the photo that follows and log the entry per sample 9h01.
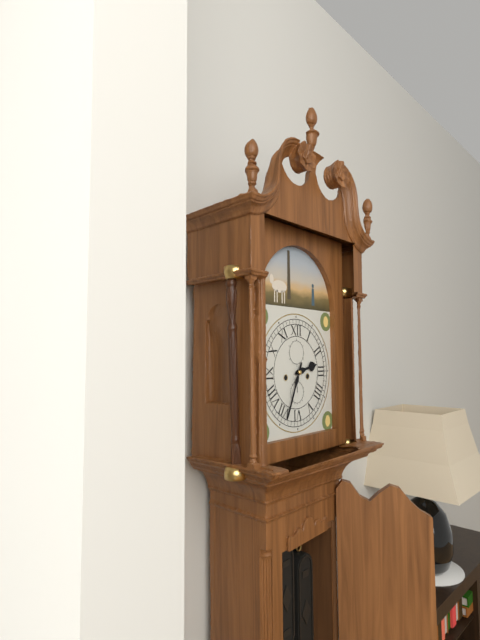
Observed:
2h34
